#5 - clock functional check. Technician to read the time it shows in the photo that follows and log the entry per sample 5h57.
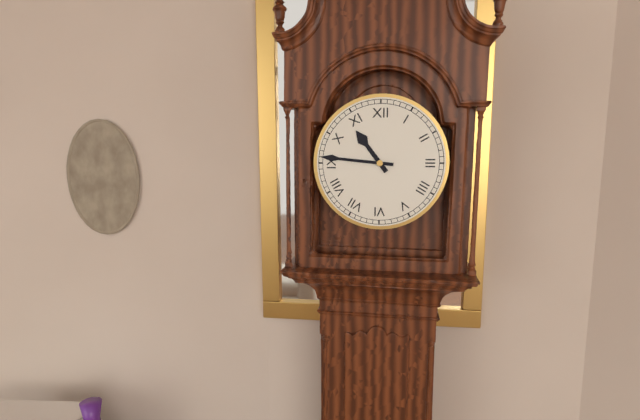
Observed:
10h46
